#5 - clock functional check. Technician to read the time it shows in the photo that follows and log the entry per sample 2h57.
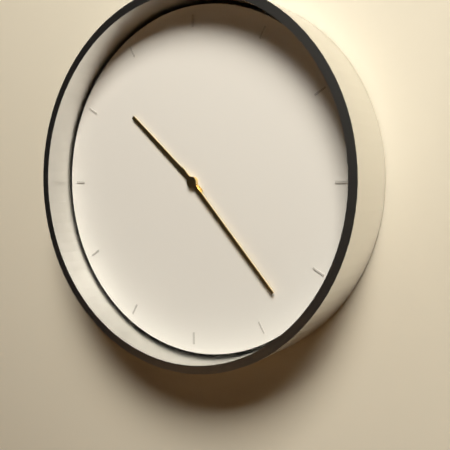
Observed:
10h23
